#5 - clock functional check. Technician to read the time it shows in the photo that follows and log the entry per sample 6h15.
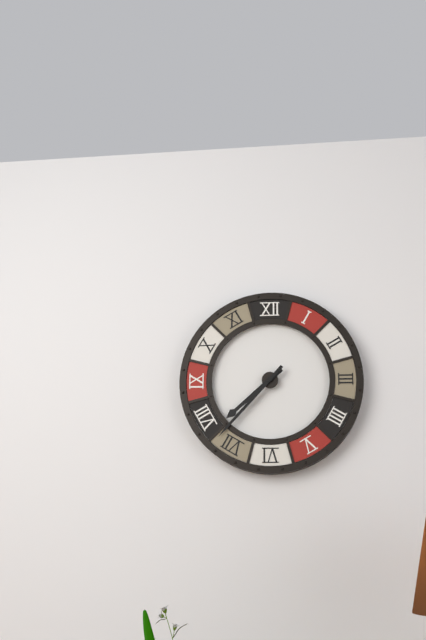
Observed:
7h37
